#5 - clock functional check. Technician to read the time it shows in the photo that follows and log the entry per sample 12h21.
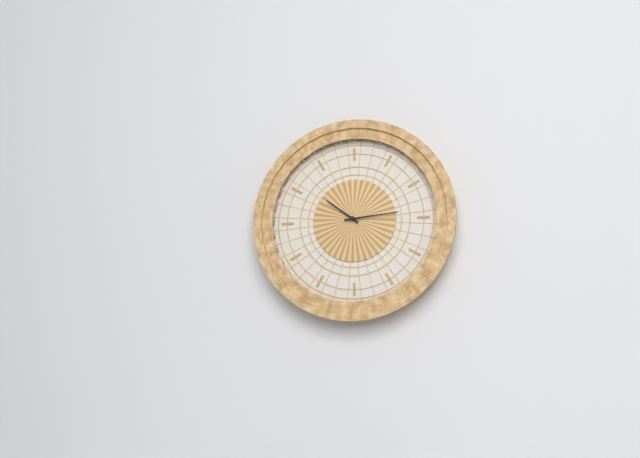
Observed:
10h14
